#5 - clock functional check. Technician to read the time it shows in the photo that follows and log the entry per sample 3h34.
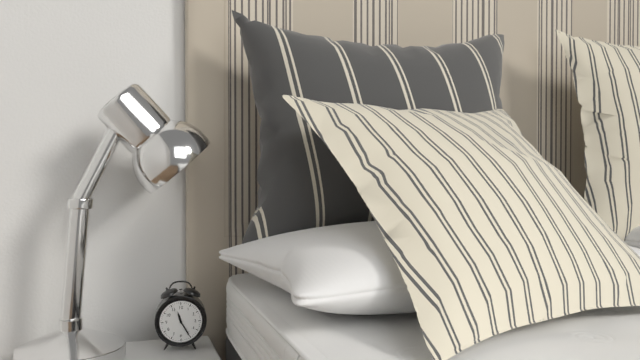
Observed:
11h25
